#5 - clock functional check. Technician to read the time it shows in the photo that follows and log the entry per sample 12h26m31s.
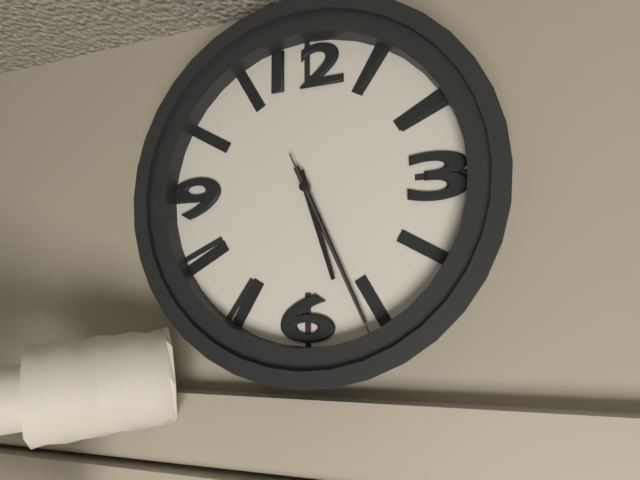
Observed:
5h26m26s
